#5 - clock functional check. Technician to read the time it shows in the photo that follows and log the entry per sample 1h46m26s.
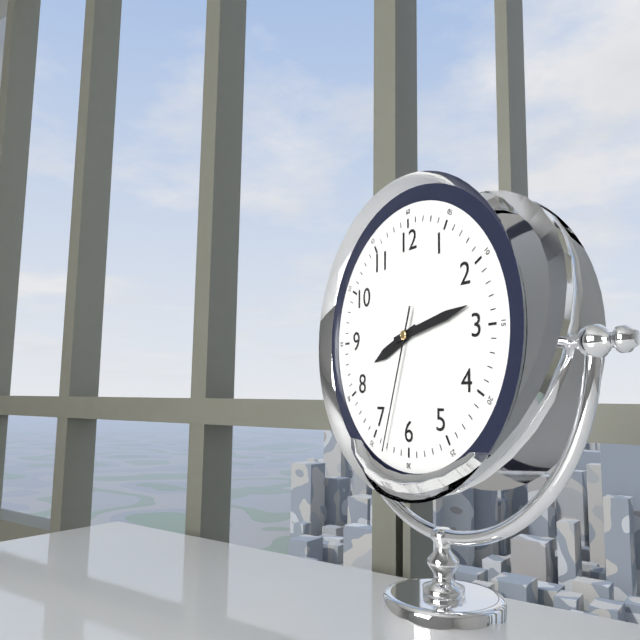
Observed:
8h13m33s
